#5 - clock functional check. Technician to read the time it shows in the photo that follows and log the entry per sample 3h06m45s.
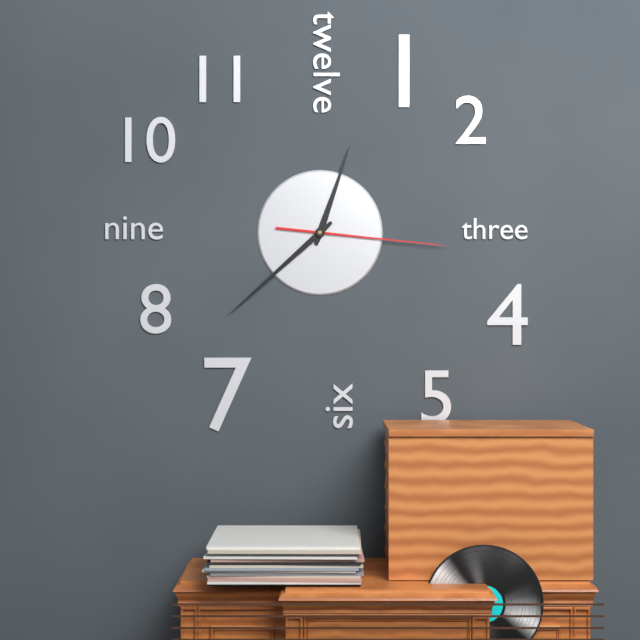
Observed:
12h38m16s
